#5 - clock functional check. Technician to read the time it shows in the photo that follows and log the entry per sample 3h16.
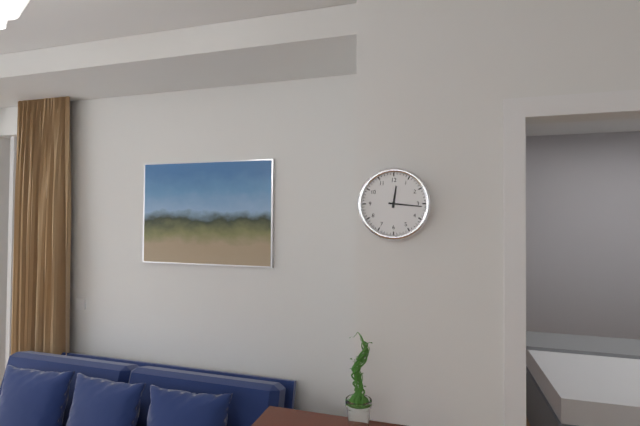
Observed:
12h16
